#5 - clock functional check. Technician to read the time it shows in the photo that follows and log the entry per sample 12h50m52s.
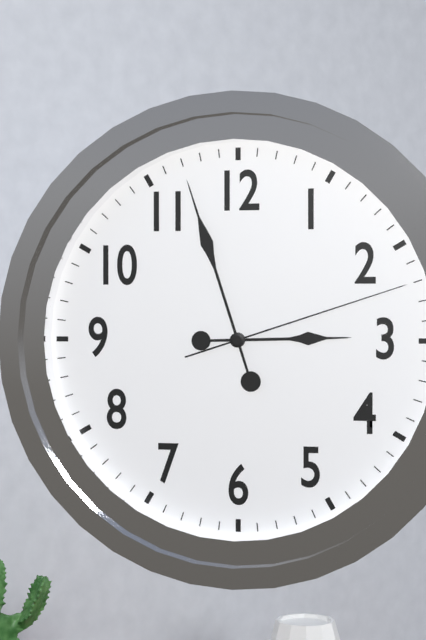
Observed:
2h57m12s
